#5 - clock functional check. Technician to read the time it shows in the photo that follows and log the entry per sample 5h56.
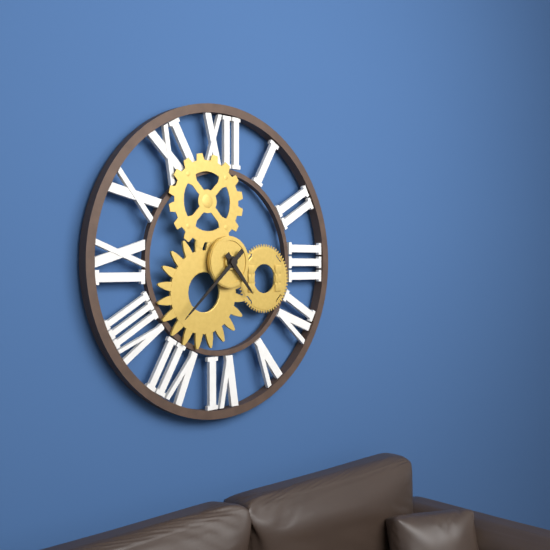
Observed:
4h38
